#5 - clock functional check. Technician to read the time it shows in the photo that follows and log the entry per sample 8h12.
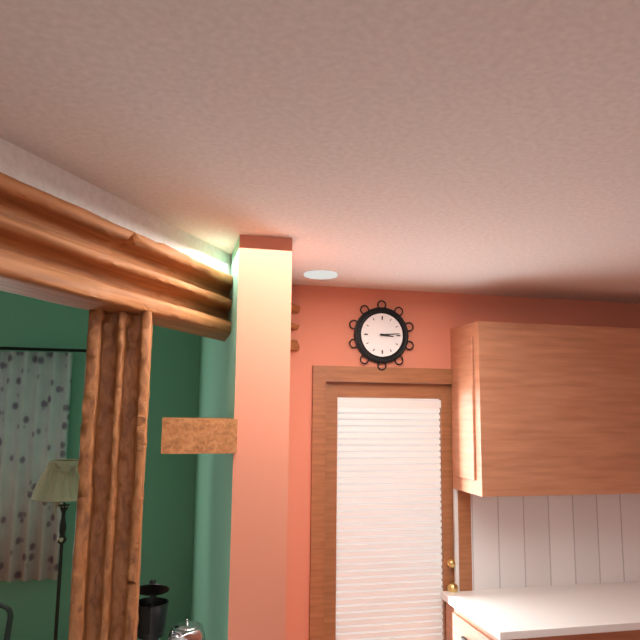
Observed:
3h14
